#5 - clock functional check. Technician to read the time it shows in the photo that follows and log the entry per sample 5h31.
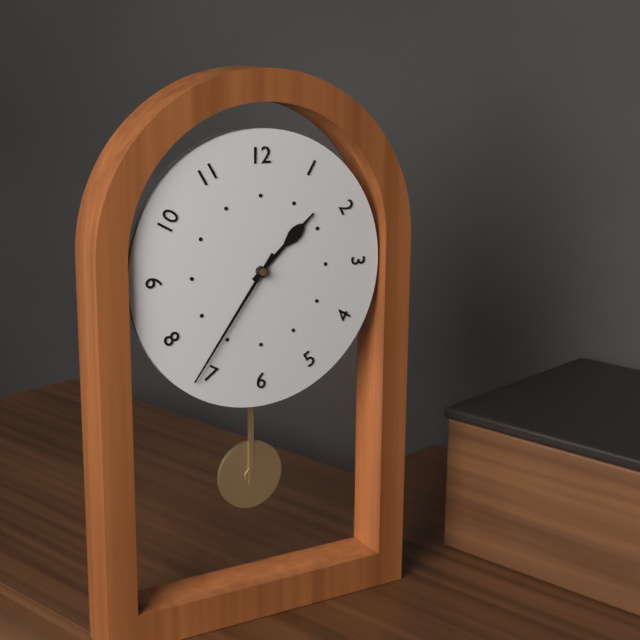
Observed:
1h36
